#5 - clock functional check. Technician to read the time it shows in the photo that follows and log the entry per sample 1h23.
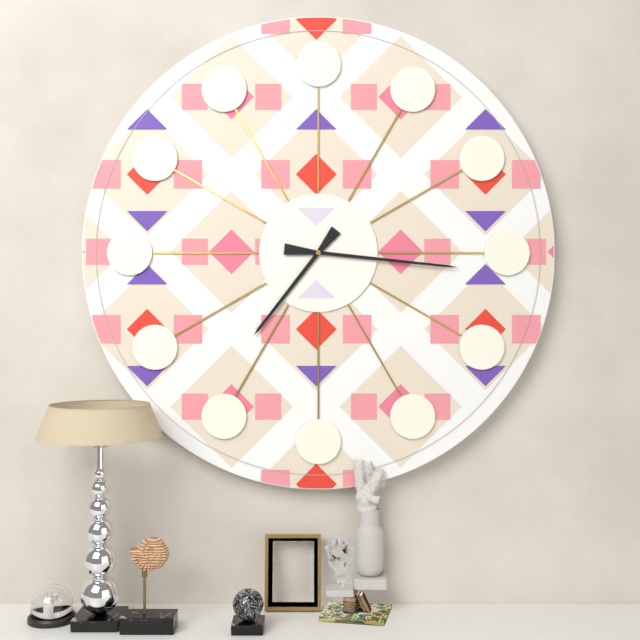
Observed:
7h16
